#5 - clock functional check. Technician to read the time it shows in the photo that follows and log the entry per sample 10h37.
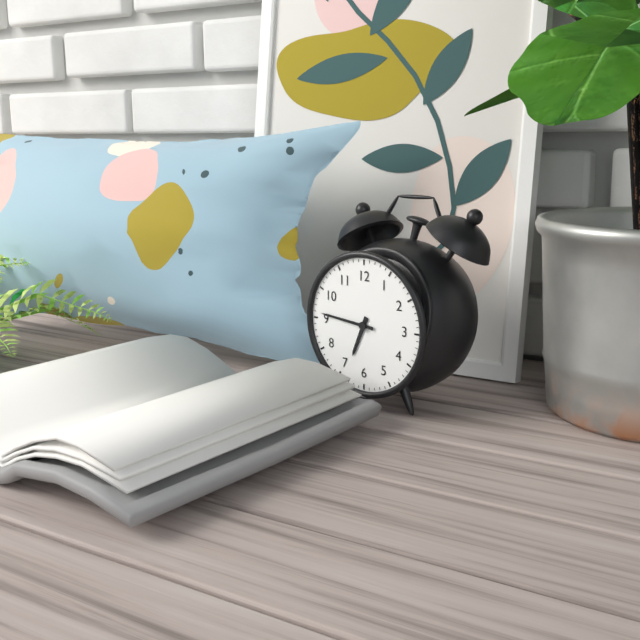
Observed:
6h46
